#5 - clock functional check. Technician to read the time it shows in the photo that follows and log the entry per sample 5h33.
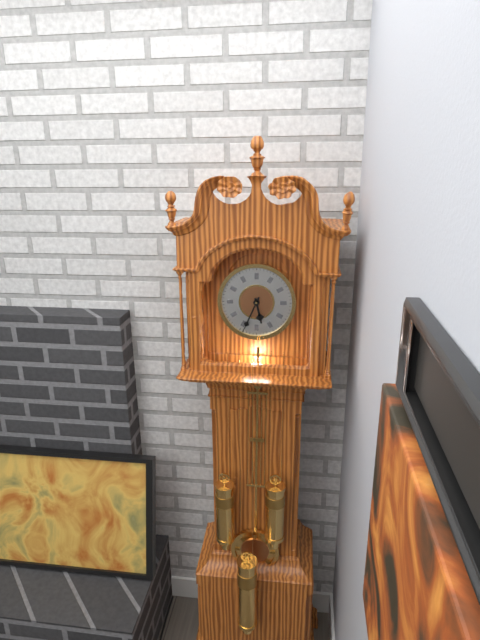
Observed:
5h34
